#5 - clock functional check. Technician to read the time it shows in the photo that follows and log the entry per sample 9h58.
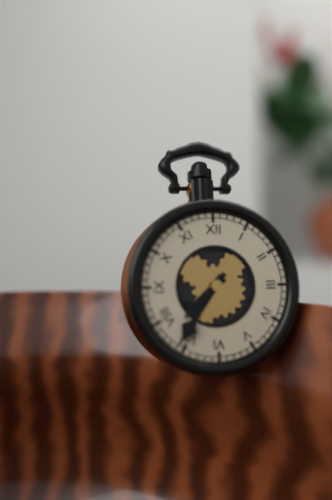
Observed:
7h36
